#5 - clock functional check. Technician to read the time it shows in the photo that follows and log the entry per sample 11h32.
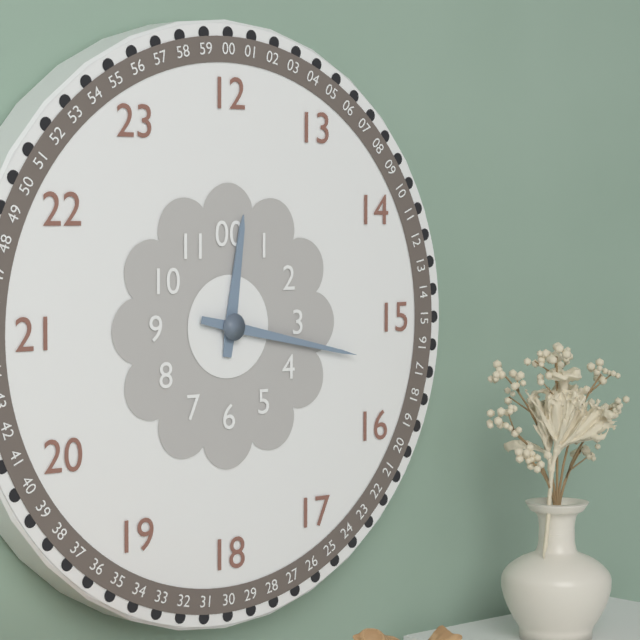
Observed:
12h17
